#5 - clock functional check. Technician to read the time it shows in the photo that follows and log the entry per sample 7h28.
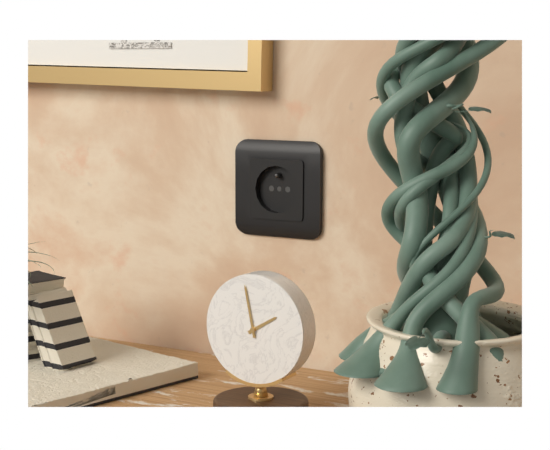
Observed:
1h58
